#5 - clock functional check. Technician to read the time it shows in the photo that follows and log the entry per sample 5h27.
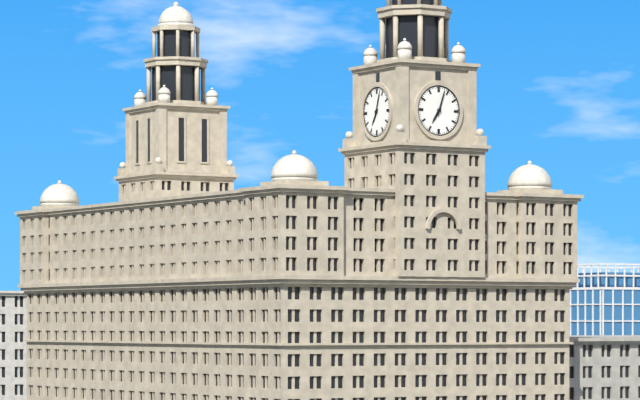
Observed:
7h03
